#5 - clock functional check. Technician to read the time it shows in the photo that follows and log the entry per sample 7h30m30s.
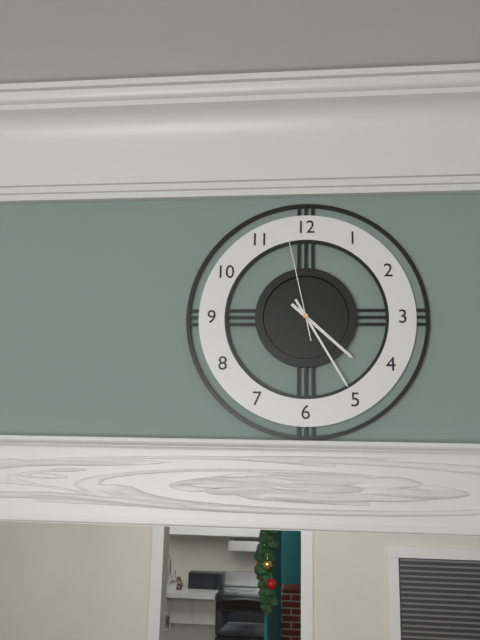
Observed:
4h25m58s
